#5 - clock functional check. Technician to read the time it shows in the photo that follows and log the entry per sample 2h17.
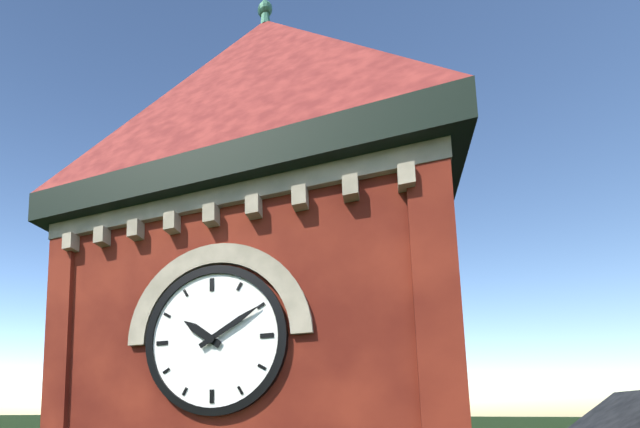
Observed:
10h10
